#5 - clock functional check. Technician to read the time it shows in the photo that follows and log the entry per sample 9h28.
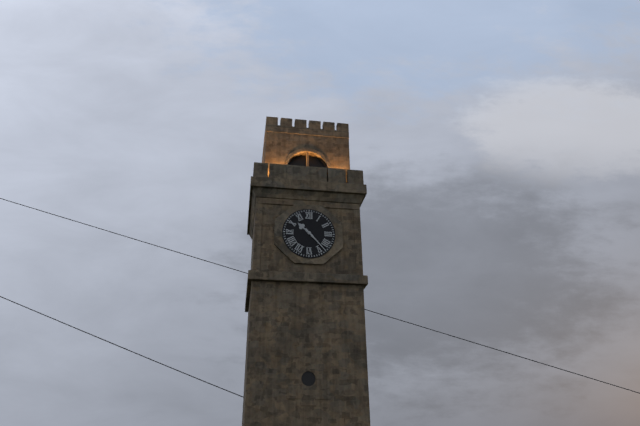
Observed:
10h23
